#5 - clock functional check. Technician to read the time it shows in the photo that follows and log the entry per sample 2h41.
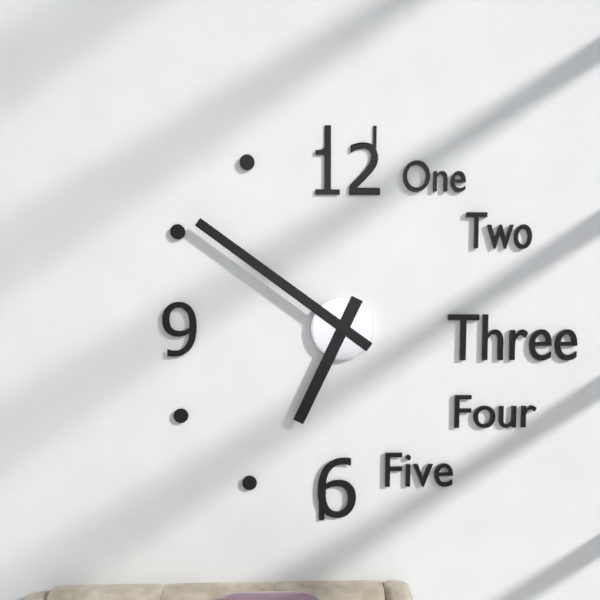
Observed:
6h51
